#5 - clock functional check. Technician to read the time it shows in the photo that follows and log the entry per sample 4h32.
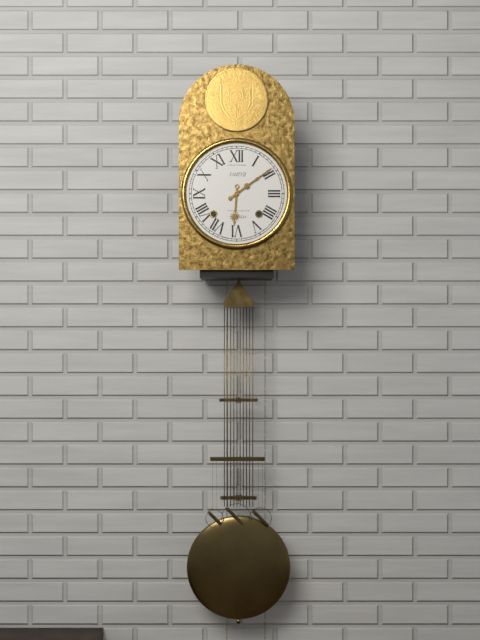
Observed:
6h09
